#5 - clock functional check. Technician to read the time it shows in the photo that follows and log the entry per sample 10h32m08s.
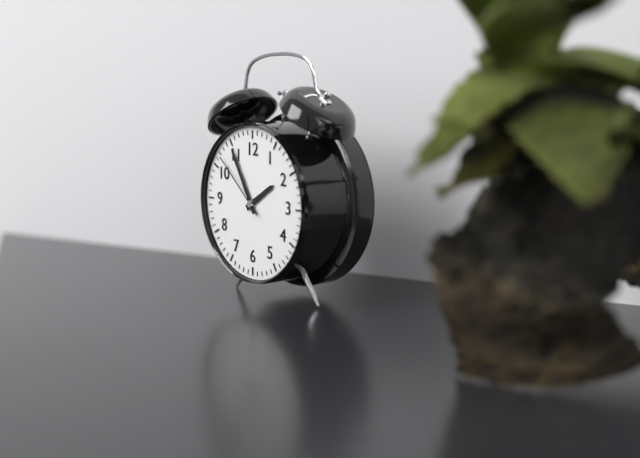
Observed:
1h55m52s
